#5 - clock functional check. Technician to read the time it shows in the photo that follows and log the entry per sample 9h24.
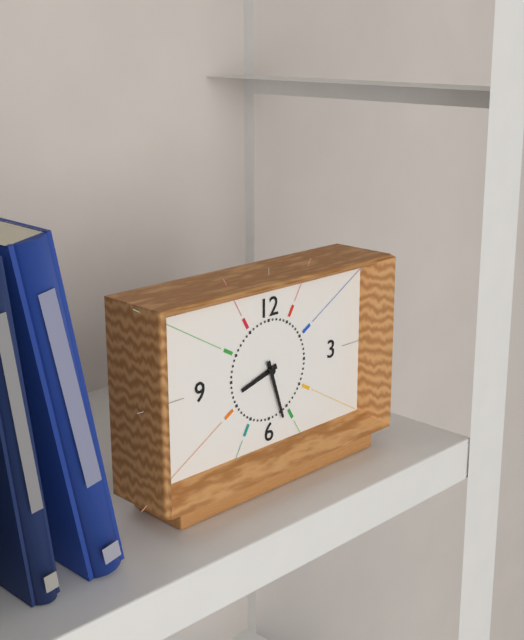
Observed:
8h27
